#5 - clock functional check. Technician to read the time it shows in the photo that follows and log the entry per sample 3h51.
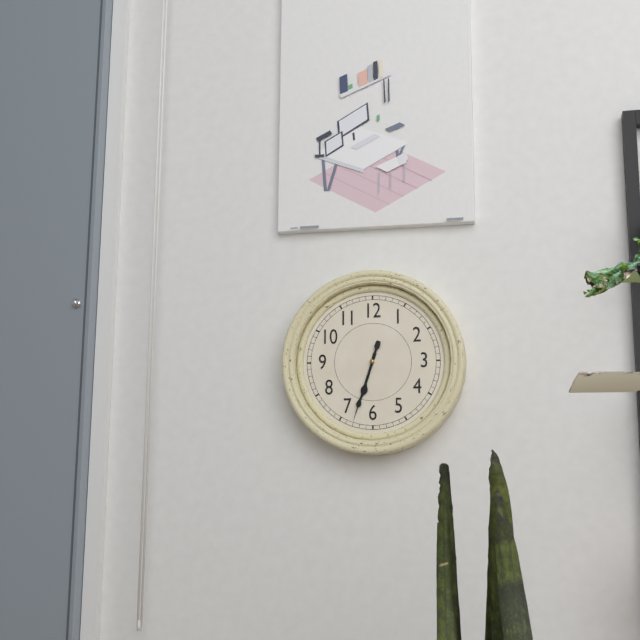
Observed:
6h33
